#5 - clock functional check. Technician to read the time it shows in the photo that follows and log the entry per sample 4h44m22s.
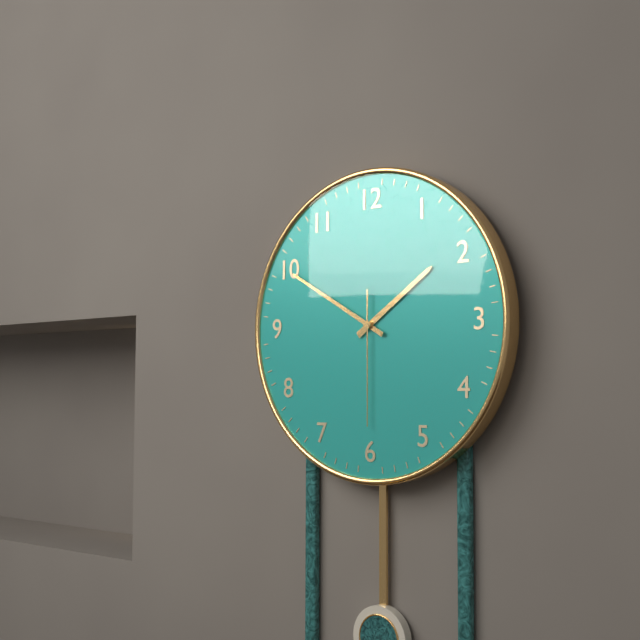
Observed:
1h50m30s
